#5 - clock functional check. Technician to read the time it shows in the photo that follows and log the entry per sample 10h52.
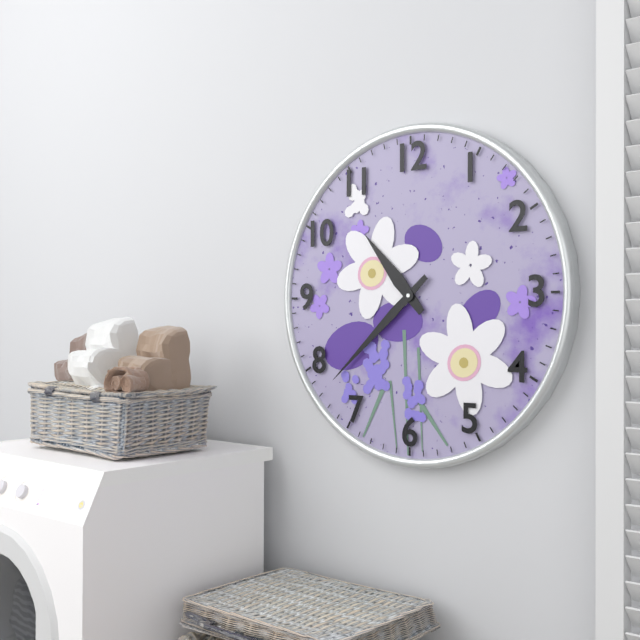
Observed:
10h38
